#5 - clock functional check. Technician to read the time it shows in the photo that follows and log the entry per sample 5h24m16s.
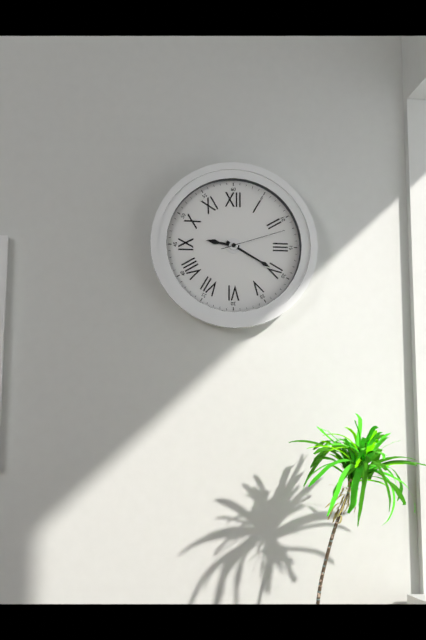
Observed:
9h20m12s
